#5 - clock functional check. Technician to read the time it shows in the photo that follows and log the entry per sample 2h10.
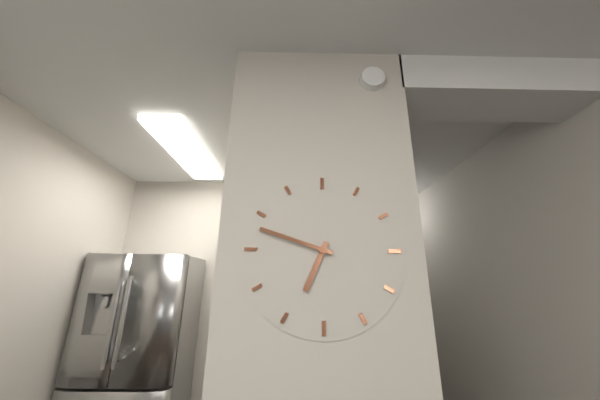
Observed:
6h48
